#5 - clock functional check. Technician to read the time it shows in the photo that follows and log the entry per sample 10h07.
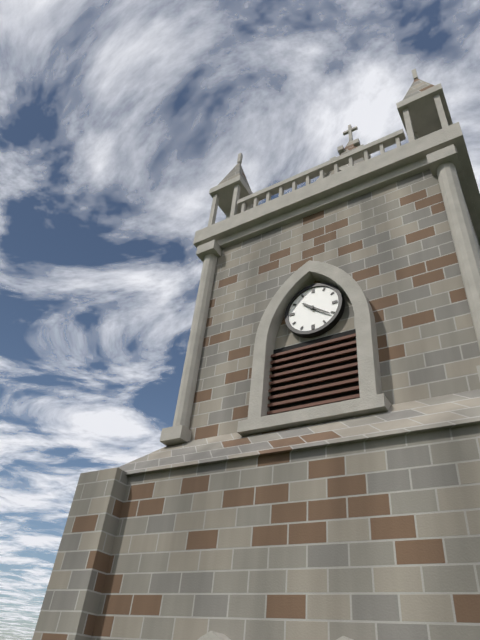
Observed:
10h21
